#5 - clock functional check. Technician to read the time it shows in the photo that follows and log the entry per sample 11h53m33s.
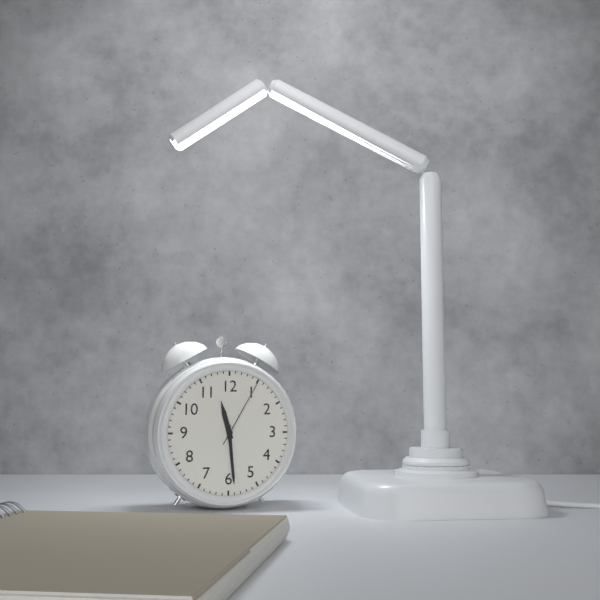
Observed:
11h29m05s
